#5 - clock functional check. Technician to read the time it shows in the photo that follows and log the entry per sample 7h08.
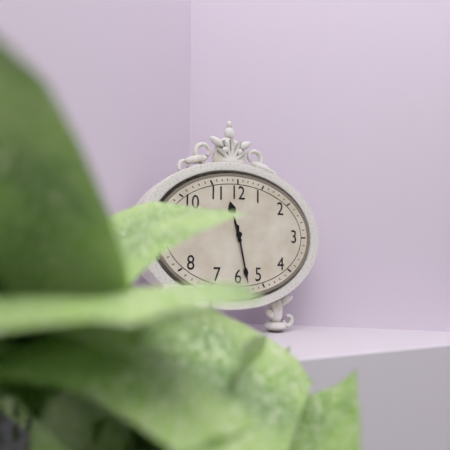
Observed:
11h28
